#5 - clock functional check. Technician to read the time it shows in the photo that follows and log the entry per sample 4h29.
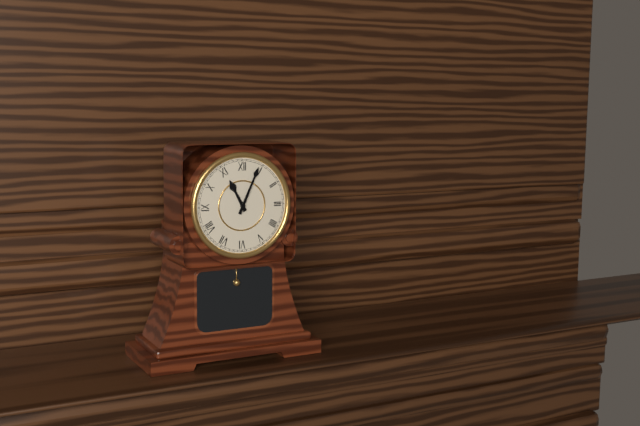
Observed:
11h04
